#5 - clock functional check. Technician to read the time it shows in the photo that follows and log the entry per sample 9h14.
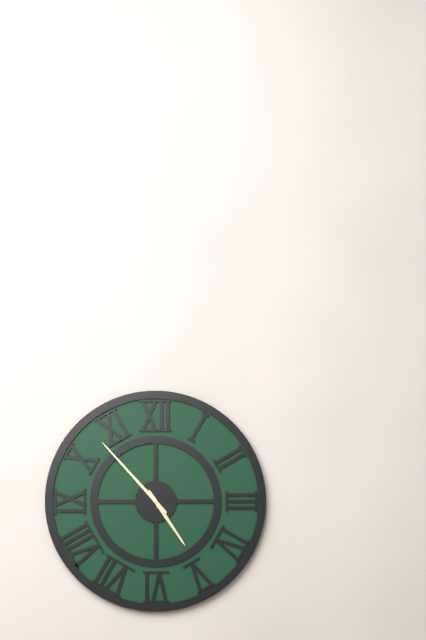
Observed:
4h53
